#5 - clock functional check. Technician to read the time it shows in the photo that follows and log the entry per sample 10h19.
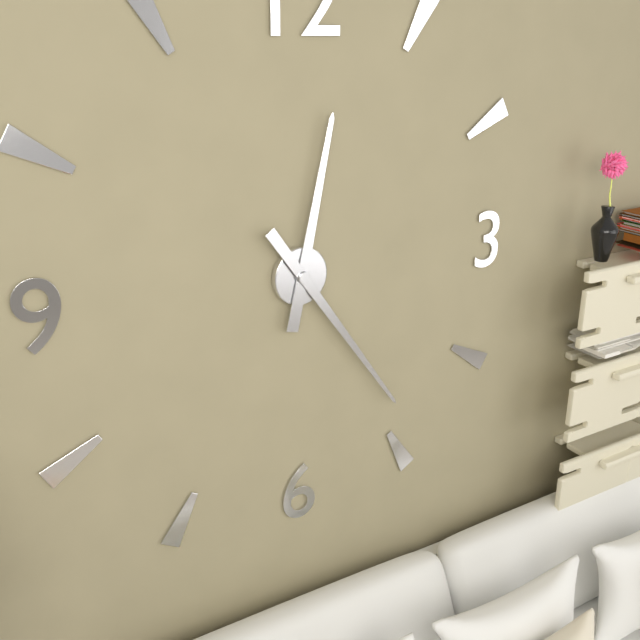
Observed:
12h24
